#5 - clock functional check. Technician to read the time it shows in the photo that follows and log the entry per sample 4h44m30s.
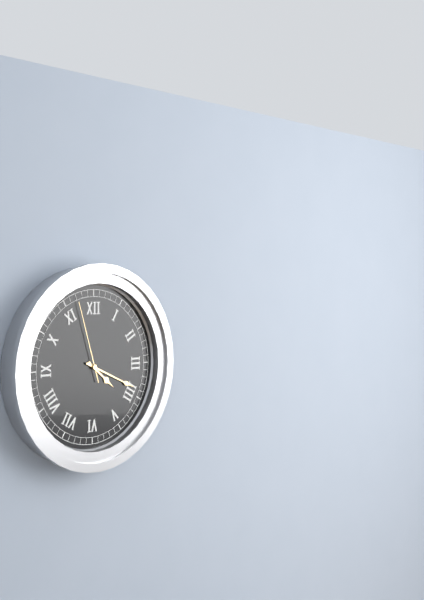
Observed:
4h19m57s
